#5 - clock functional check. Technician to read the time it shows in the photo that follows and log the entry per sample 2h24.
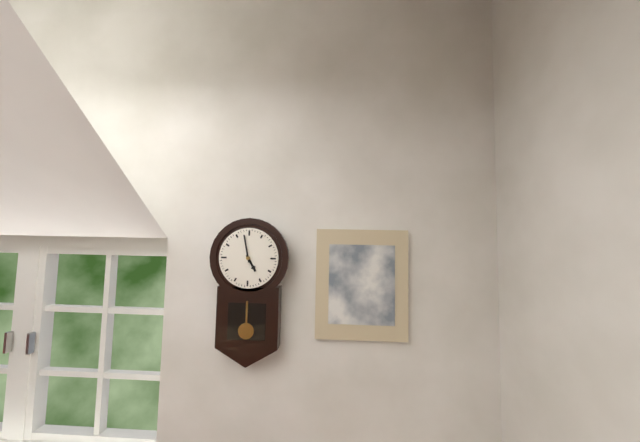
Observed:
4h58
